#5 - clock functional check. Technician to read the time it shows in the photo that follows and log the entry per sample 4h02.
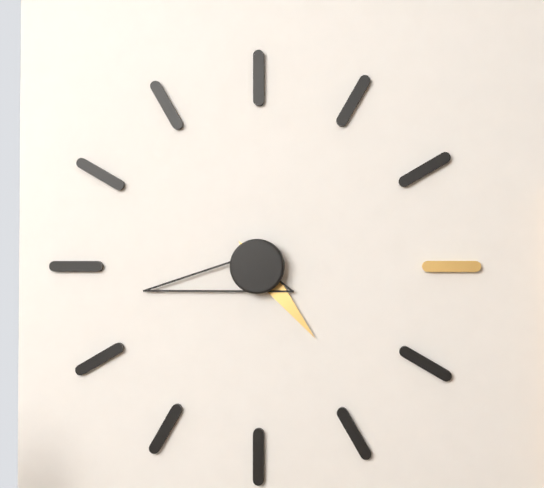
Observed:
4h43
